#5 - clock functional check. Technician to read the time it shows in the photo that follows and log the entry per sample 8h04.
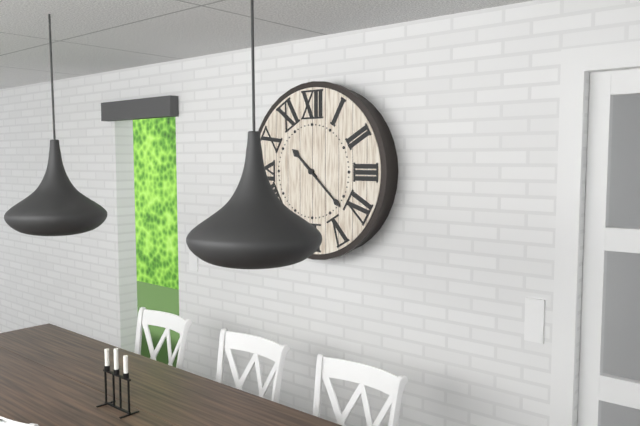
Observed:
10h22
